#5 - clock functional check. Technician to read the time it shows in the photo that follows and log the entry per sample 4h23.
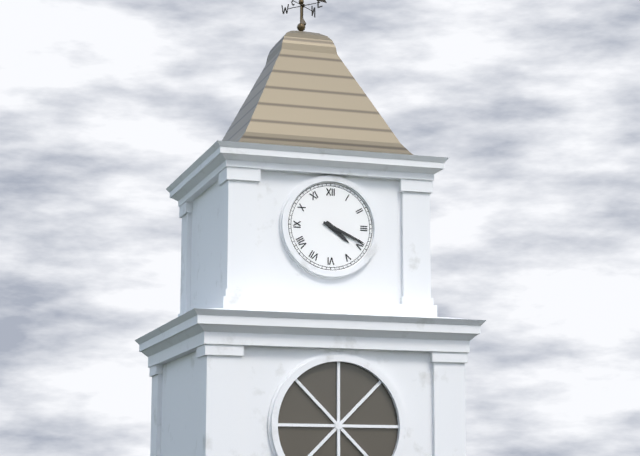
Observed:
4h19
